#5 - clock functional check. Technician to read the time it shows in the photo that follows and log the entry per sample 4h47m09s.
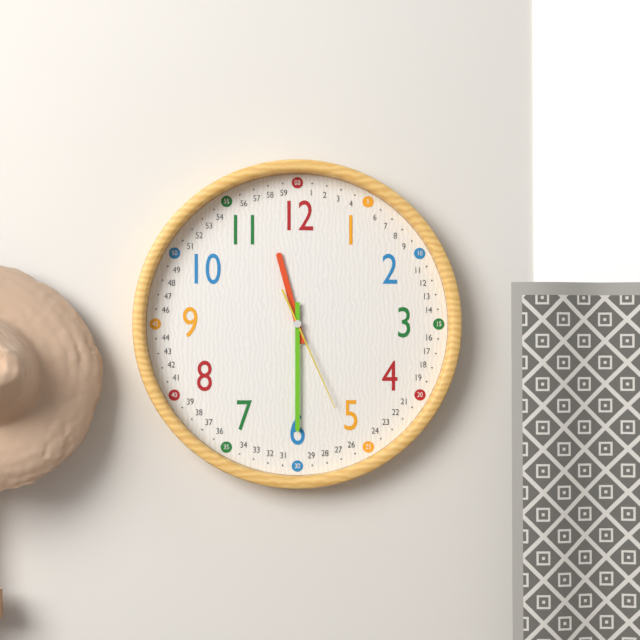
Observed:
11h30m26s
